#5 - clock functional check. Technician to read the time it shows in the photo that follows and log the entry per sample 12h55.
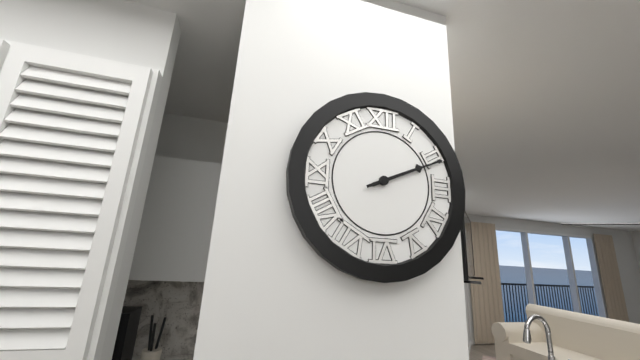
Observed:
2h11
